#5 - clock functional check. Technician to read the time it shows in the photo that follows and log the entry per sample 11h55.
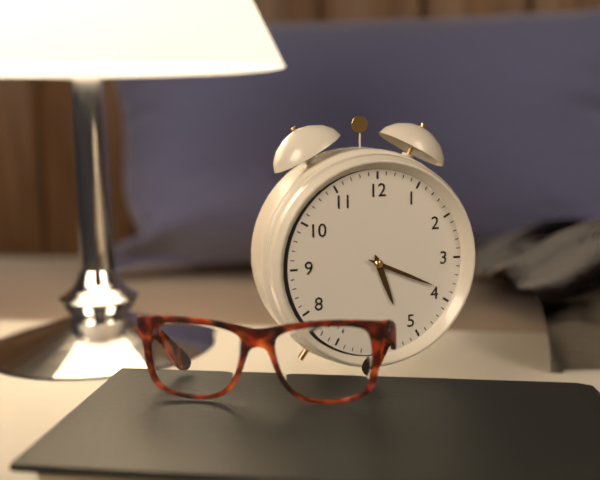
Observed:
5h19
